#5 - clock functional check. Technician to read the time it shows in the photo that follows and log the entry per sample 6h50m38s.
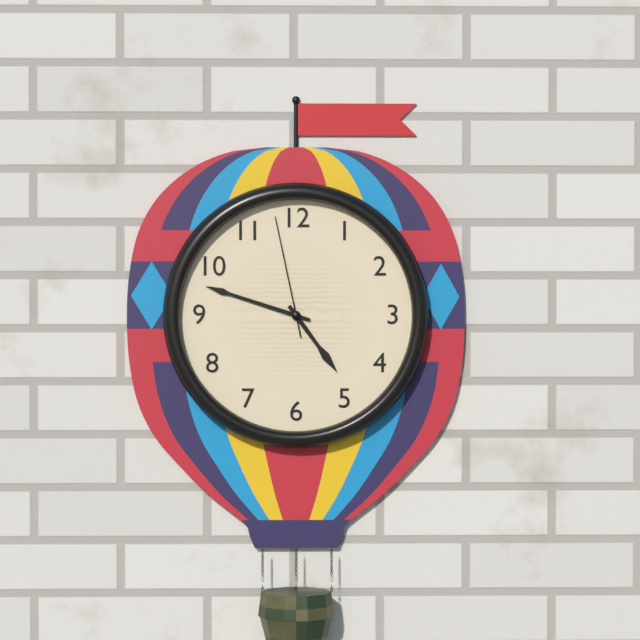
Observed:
4h48m58s
